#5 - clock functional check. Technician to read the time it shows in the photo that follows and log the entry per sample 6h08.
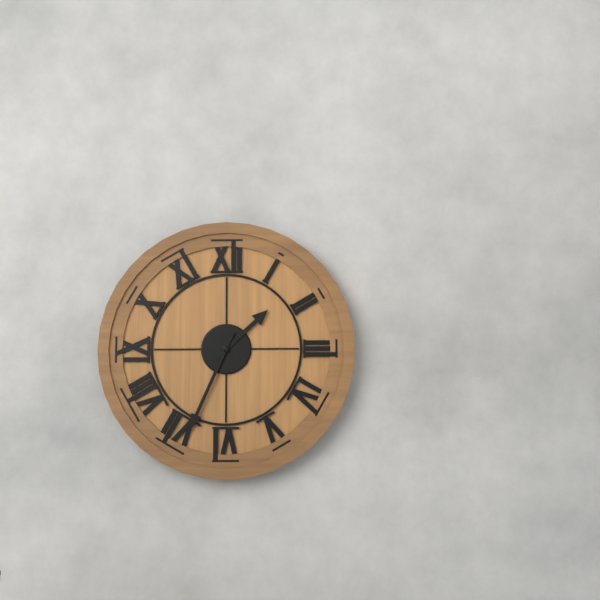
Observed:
1h34
